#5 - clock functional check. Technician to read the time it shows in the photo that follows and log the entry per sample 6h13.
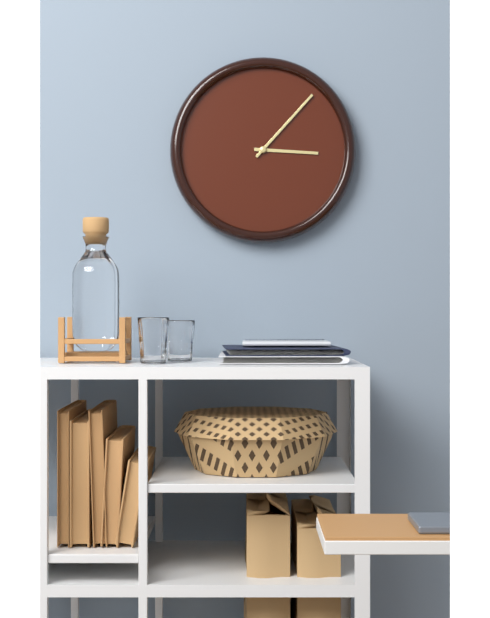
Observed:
3h07
